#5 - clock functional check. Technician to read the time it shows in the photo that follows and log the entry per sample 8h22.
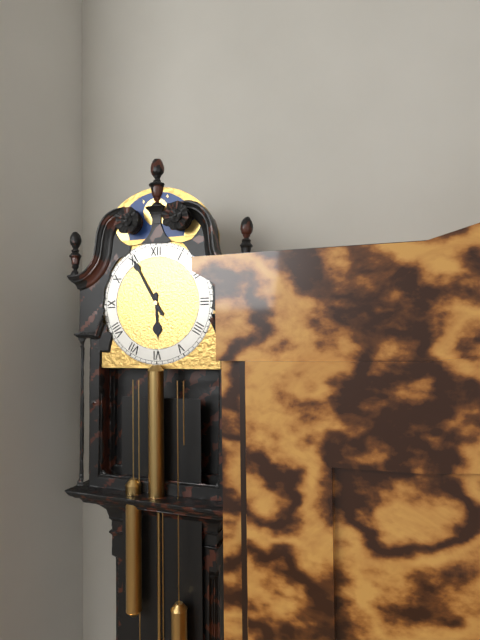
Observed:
5h55
